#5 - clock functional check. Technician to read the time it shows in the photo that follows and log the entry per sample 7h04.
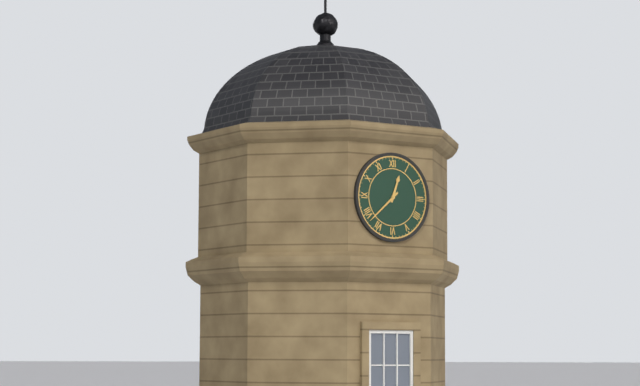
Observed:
12h38
